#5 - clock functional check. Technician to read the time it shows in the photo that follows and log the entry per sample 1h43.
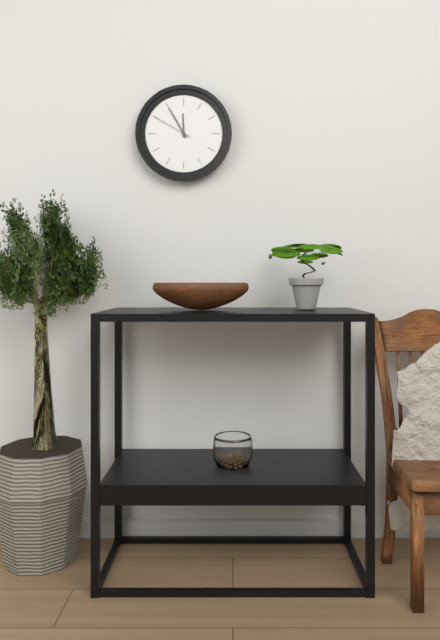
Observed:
11h55
